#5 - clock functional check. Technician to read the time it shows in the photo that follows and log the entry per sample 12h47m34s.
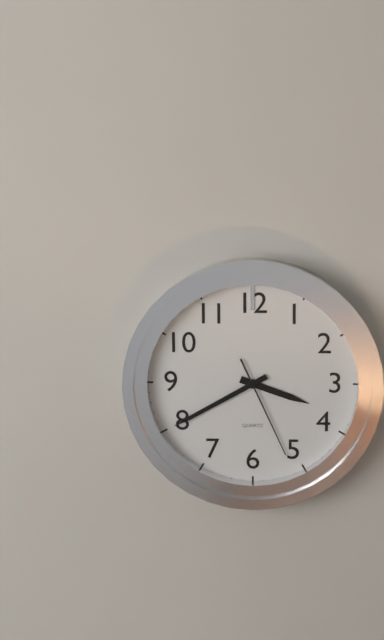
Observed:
3h40m26s
